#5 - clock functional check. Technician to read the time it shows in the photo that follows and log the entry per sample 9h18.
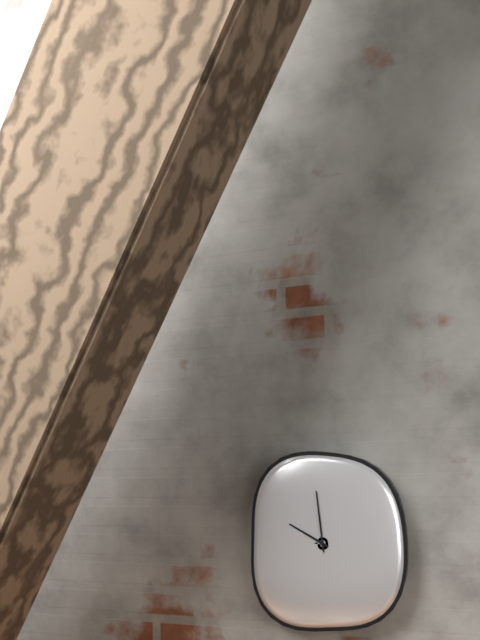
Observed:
9h59
